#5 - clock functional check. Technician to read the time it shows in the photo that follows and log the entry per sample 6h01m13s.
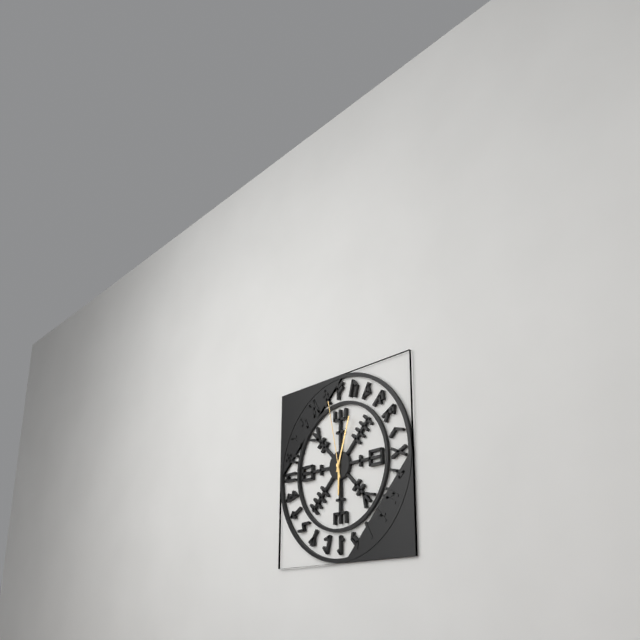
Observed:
6h03m58s
